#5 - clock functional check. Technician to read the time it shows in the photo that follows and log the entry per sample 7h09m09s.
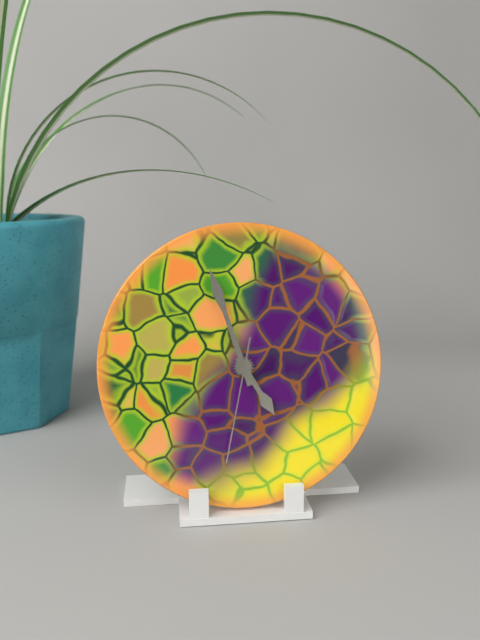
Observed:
4h57m32s
